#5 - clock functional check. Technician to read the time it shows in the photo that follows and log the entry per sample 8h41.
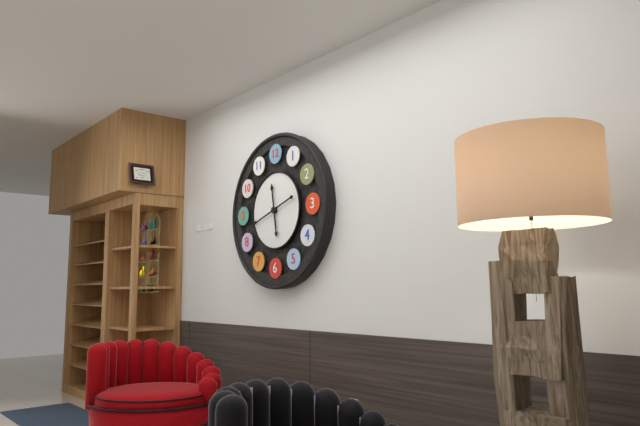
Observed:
11h42
